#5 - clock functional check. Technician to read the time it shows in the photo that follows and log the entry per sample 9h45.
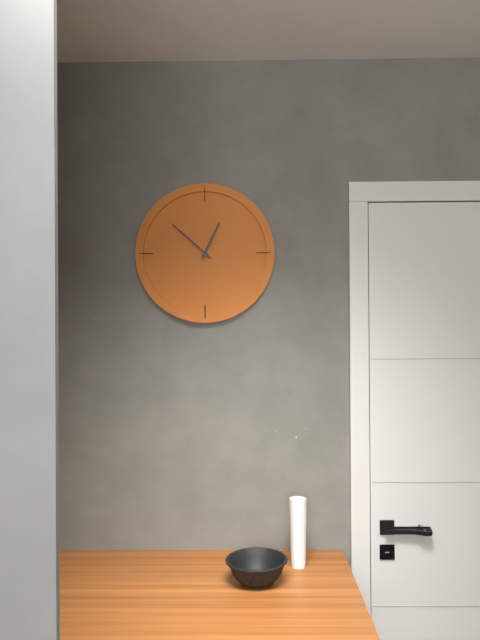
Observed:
12h52
